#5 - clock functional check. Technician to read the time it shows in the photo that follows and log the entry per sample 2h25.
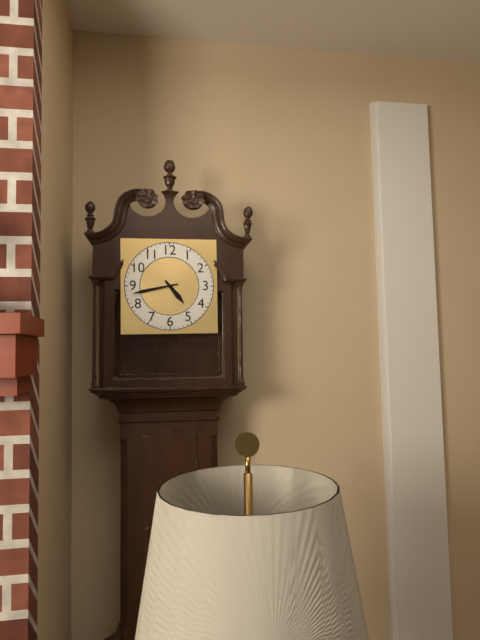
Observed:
4h43
